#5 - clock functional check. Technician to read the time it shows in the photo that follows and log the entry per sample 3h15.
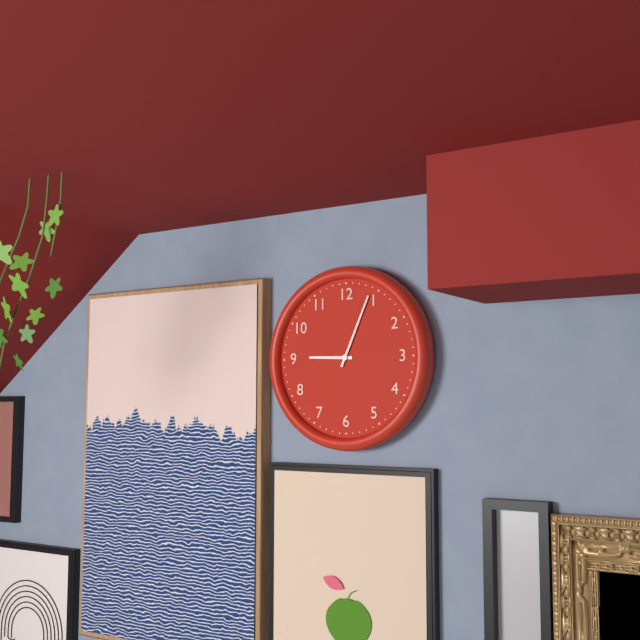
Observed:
9h04
